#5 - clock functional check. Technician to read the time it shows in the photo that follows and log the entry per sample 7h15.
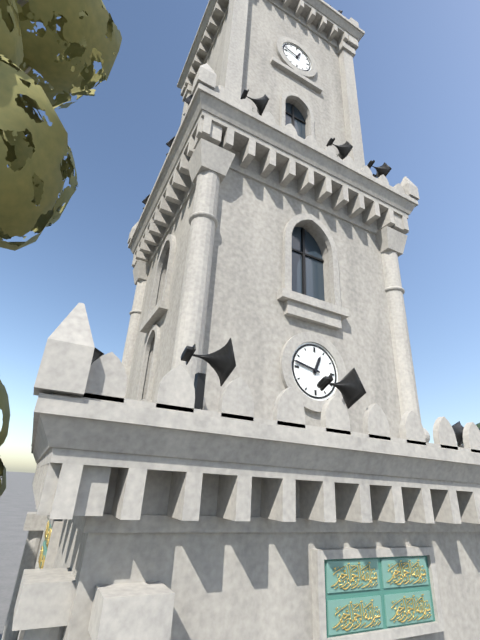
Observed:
12h47
